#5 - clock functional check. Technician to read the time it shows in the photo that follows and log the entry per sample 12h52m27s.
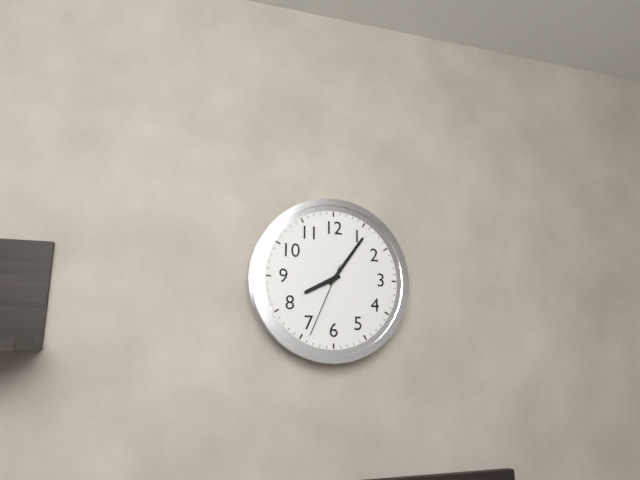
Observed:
8h06m34s
